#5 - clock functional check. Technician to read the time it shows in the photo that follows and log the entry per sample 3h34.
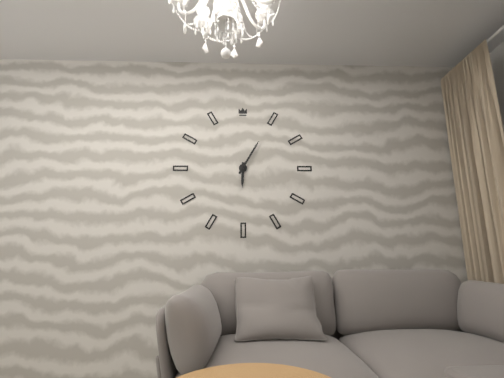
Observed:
6h05
